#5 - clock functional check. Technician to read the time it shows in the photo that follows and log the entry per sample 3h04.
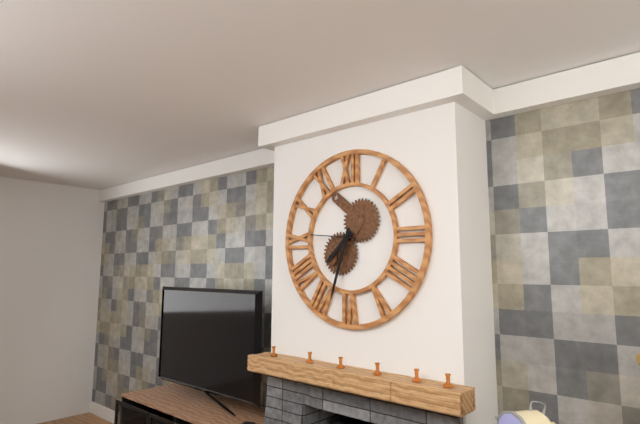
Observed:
7h33
